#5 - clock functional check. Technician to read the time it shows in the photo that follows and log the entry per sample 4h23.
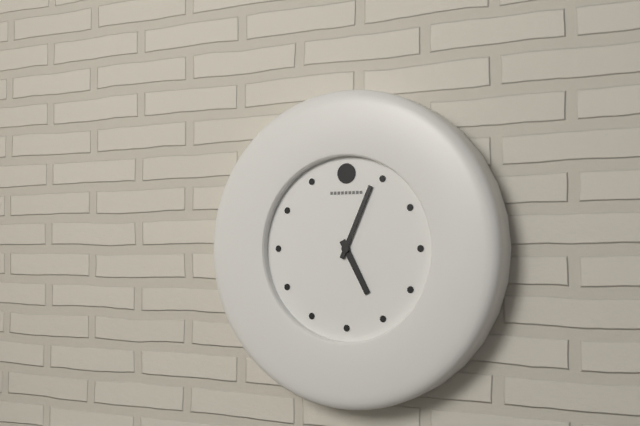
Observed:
5h04
